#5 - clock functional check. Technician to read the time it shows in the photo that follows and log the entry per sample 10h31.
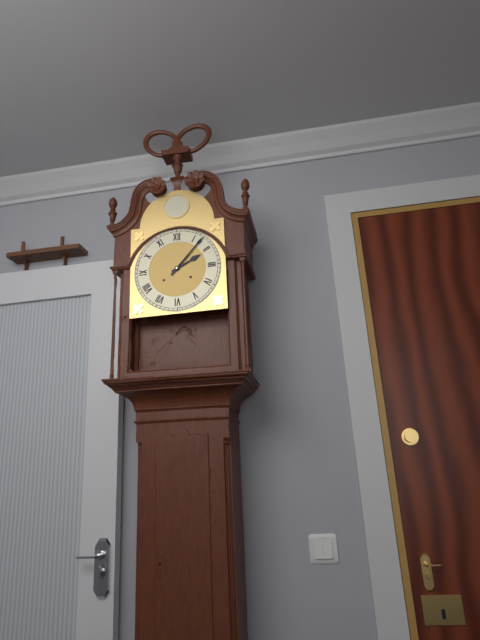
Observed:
2h07
